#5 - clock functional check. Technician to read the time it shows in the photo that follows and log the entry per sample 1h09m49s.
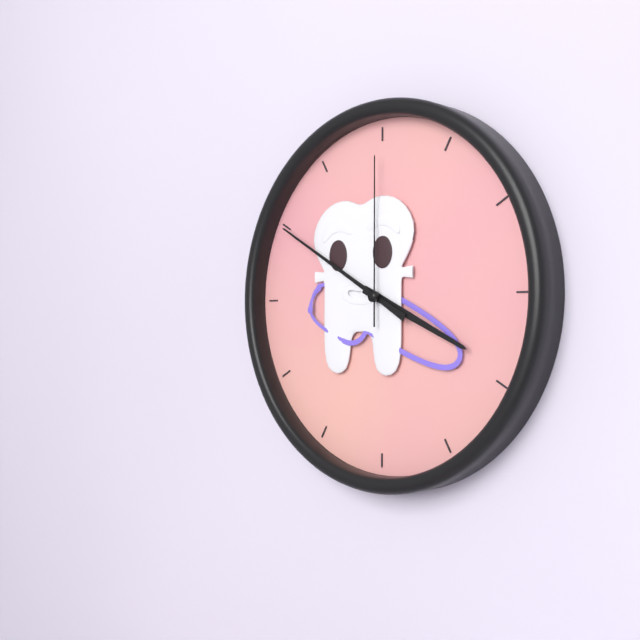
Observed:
3h50m00s
